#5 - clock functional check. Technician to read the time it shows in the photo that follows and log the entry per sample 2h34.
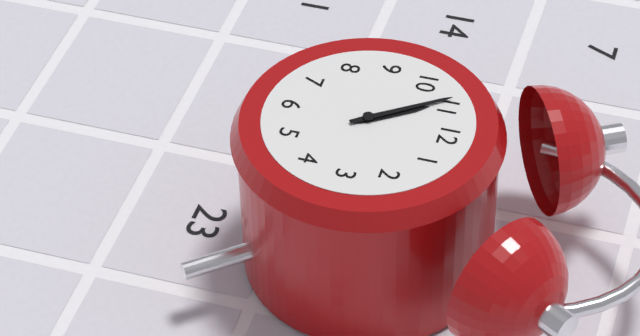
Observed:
10h54
